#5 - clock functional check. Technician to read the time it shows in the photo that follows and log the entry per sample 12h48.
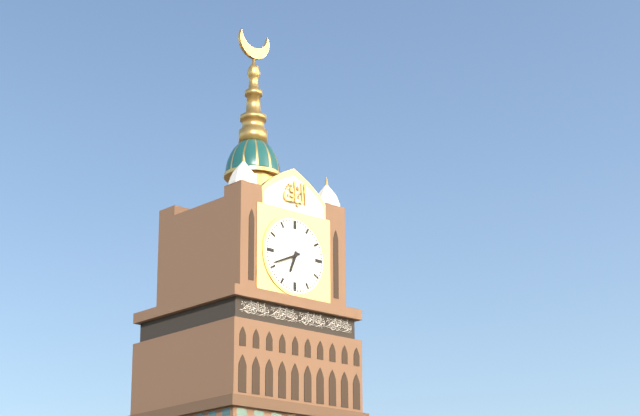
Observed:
6h41
